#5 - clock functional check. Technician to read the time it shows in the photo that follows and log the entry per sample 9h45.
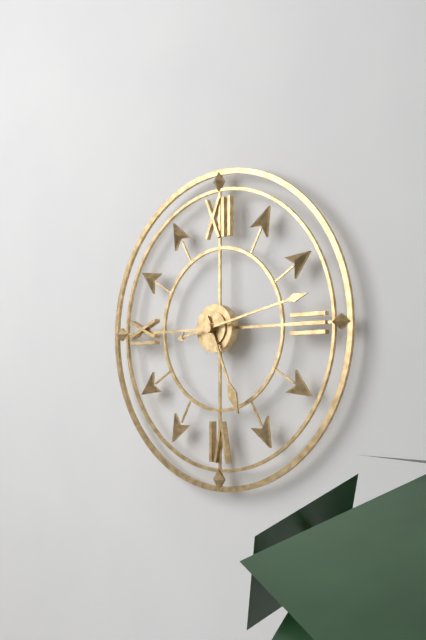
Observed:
5h13
